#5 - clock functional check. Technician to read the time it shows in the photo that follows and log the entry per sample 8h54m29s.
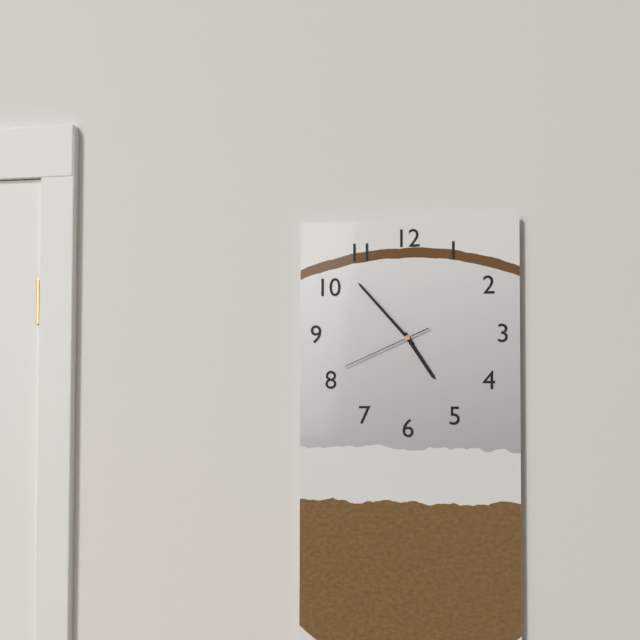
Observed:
4h53m41s
